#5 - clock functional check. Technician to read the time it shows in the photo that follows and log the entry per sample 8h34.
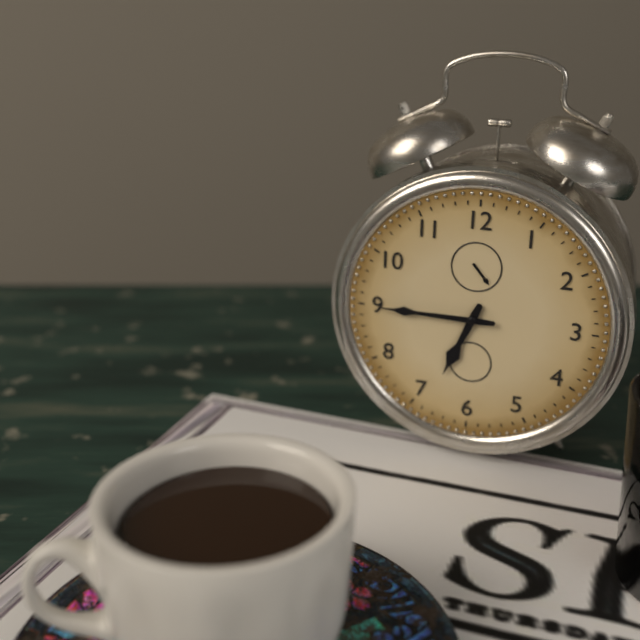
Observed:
6h45
